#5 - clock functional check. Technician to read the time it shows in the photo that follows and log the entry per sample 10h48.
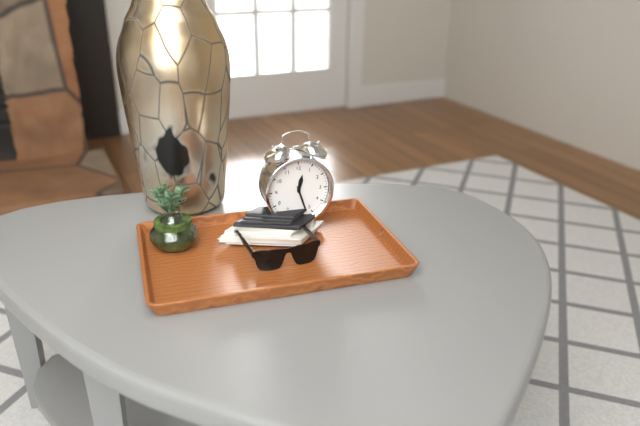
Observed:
12h27
